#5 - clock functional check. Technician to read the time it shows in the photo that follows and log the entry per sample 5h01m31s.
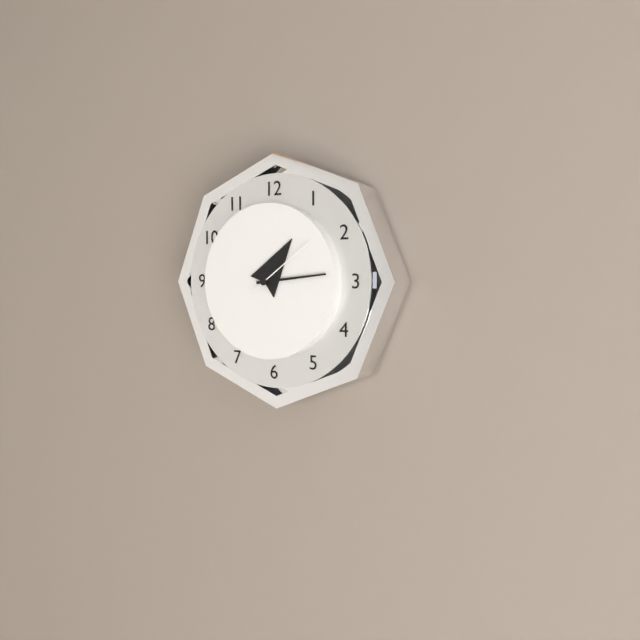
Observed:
1h14m09s
